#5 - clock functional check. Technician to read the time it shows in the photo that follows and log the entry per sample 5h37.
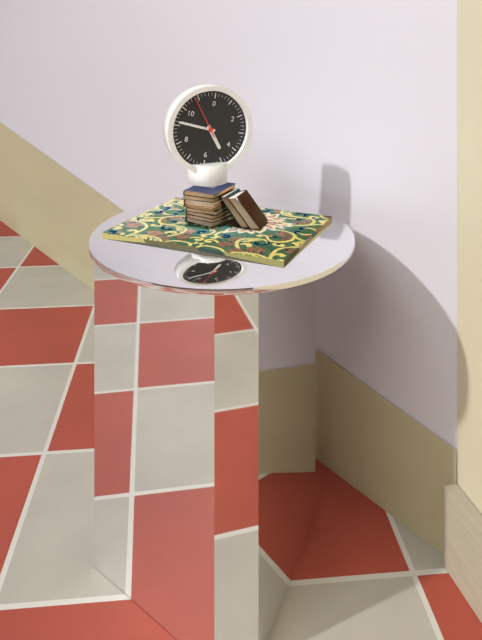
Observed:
4h46
